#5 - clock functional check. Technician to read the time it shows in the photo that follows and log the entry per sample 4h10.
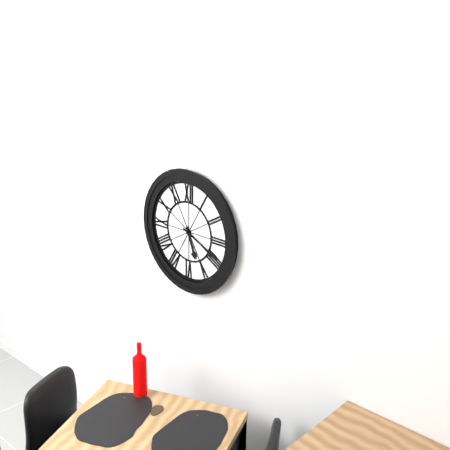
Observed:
5h19
